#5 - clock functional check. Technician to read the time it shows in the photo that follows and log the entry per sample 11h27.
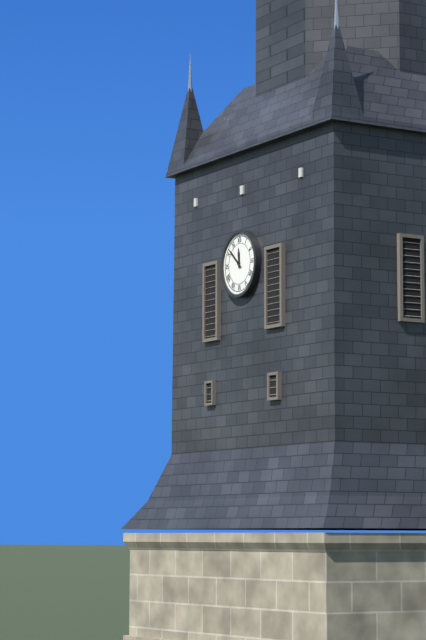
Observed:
11h52
